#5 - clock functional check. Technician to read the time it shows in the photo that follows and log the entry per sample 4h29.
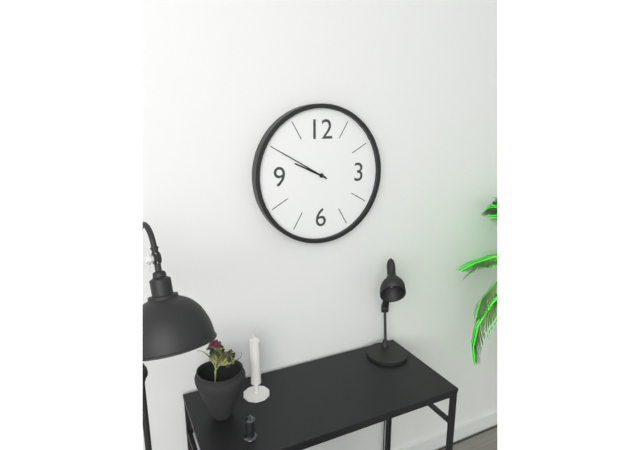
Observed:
9h50
